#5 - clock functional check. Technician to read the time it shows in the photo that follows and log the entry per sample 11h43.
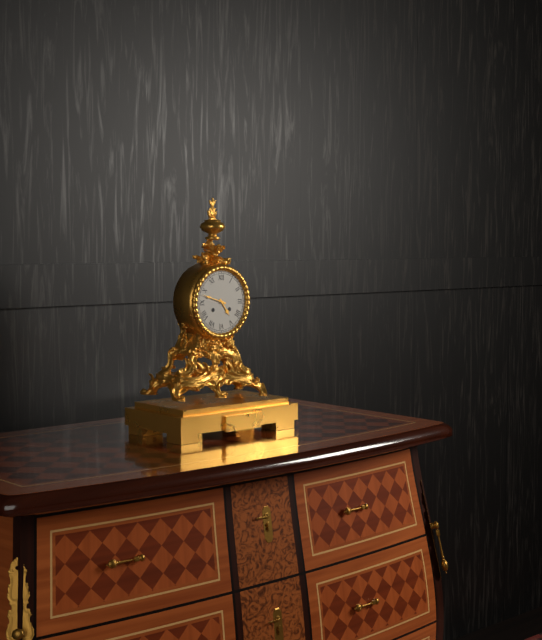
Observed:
4h48
